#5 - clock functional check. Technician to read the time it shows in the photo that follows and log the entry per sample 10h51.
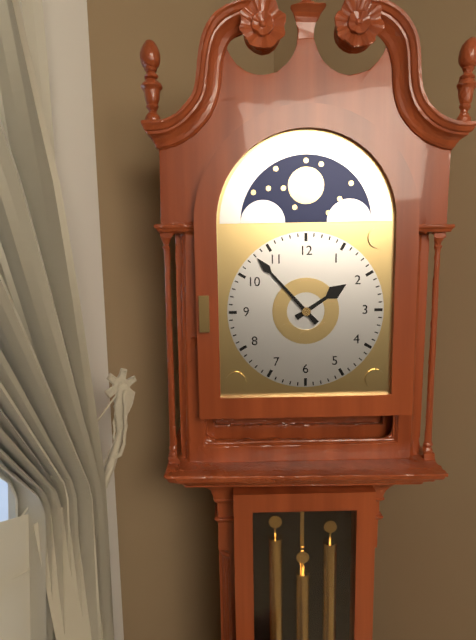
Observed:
1h53
